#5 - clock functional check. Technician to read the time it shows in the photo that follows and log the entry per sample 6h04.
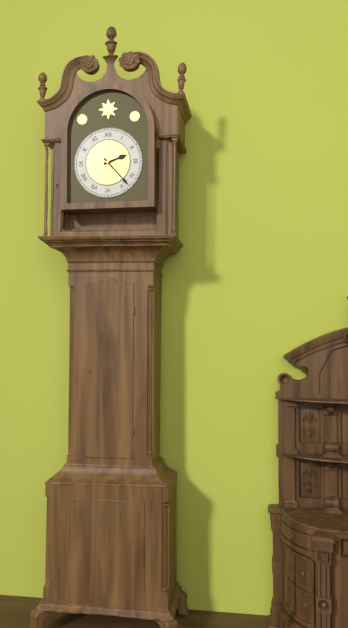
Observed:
2h23
